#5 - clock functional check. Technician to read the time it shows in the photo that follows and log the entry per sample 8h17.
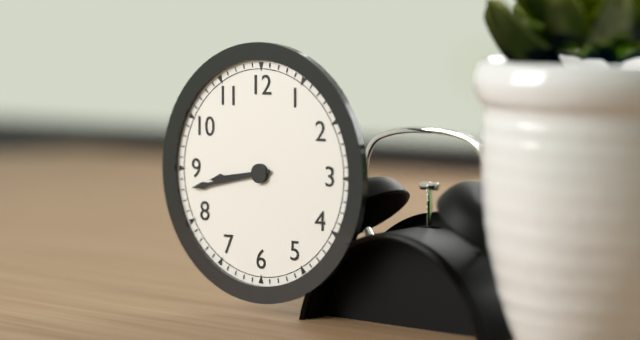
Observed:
8h43
